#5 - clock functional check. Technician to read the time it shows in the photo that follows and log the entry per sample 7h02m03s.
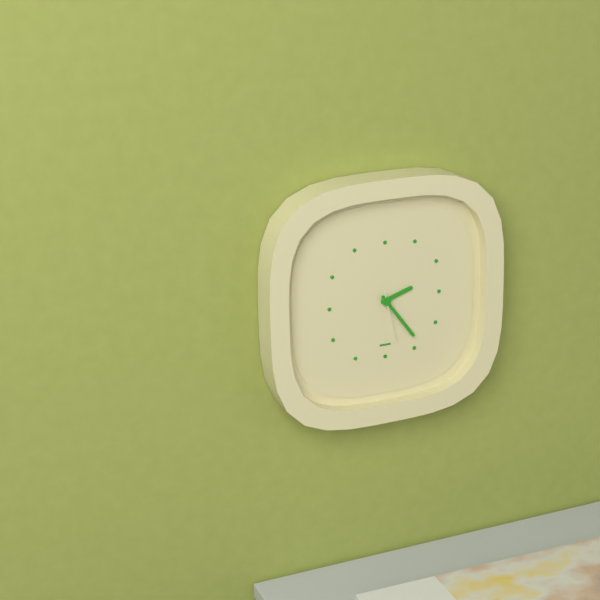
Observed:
2h24m28s
